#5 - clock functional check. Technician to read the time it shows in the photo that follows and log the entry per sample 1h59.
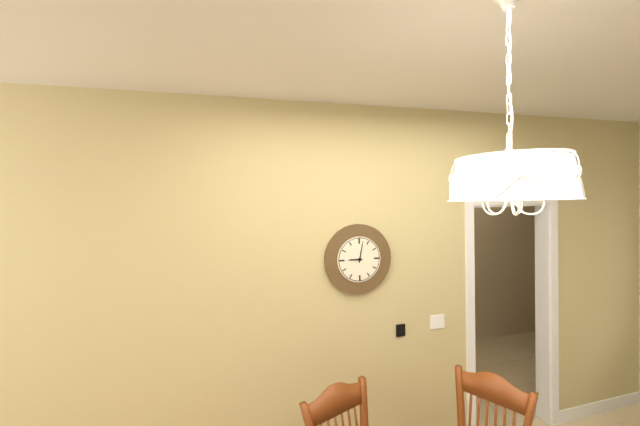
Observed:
9h02
